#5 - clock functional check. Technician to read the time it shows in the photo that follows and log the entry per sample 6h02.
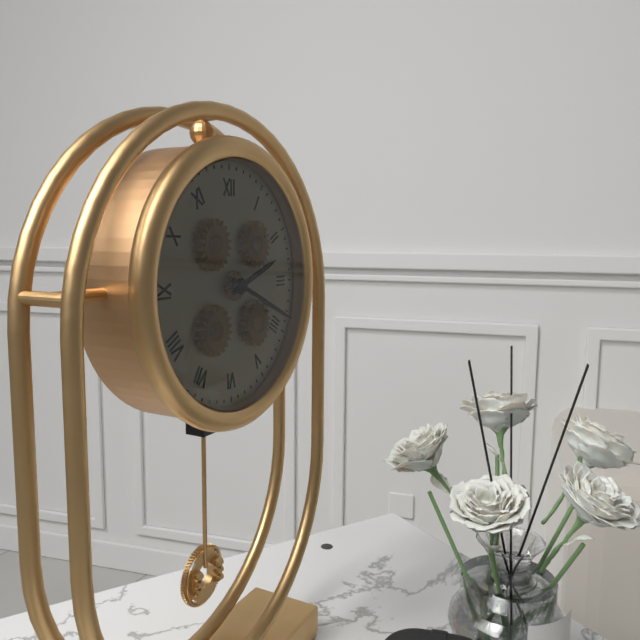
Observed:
2h19
